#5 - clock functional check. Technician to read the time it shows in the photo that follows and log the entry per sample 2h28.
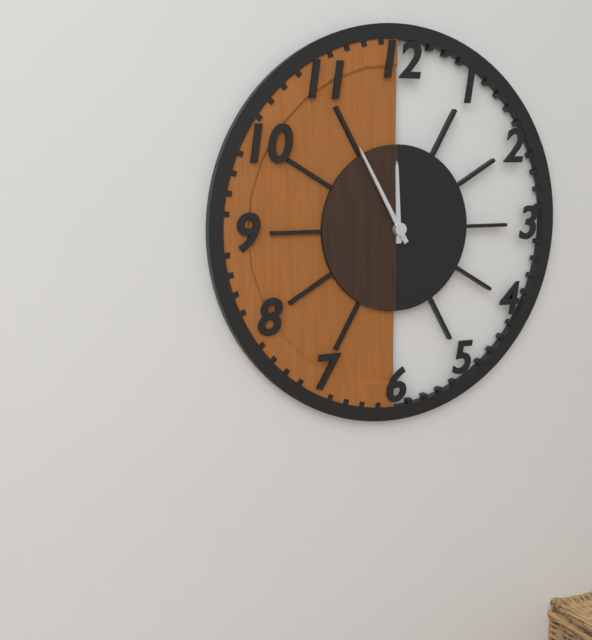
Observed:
11h55
